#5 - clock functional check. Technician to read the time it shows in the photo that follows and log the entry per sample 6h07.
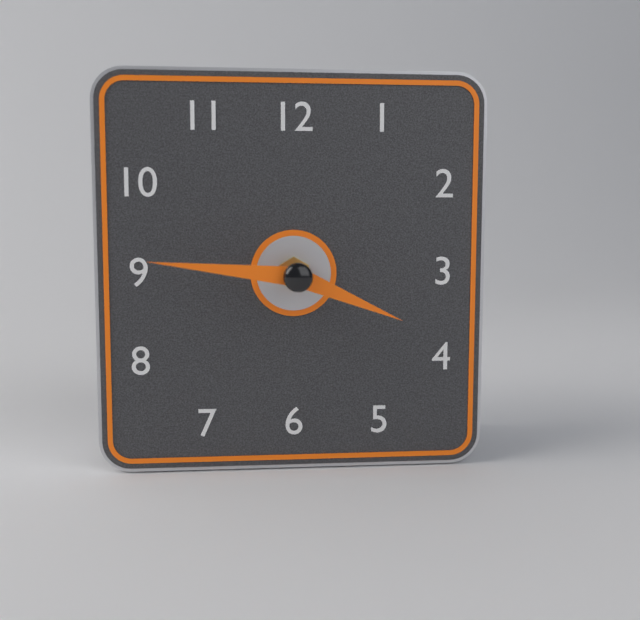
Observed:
3h46
